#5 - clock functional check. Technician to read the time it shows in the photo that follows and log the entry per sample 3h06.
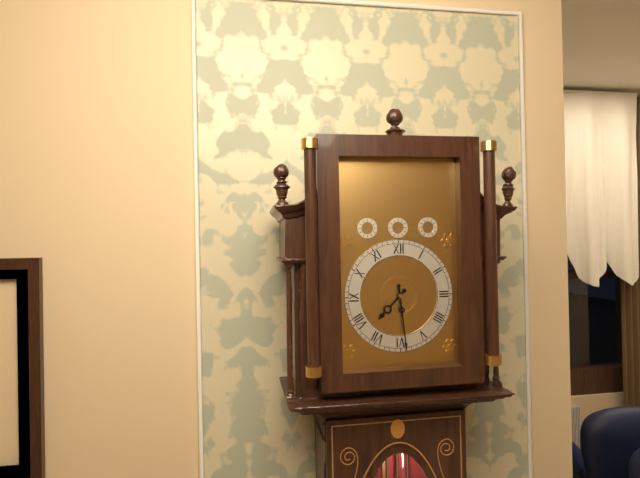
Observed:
7h29
